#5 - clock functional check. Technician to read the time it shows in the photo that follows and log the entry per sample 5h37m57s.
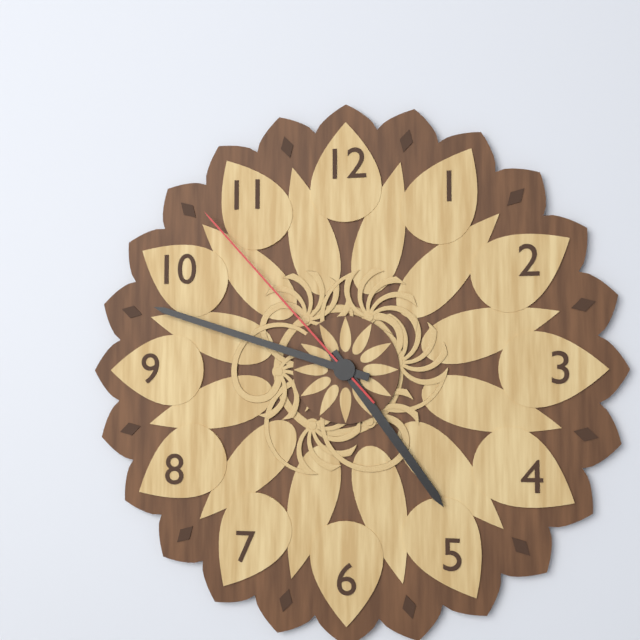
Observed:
4h48m53s
